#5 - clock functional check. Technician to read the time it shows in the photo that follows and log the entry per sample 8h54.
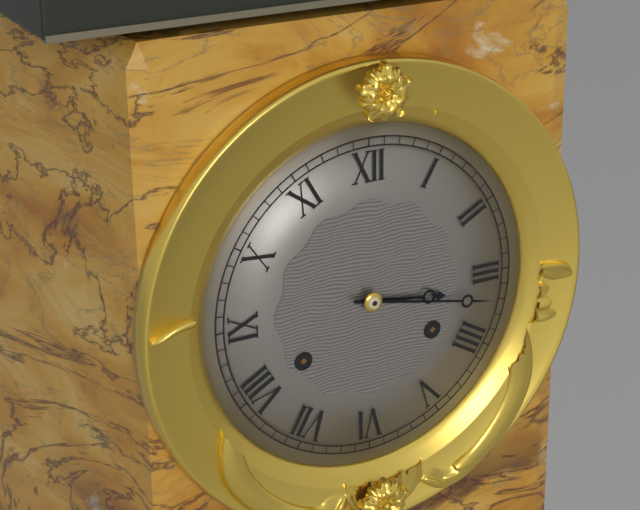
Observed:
3h17
